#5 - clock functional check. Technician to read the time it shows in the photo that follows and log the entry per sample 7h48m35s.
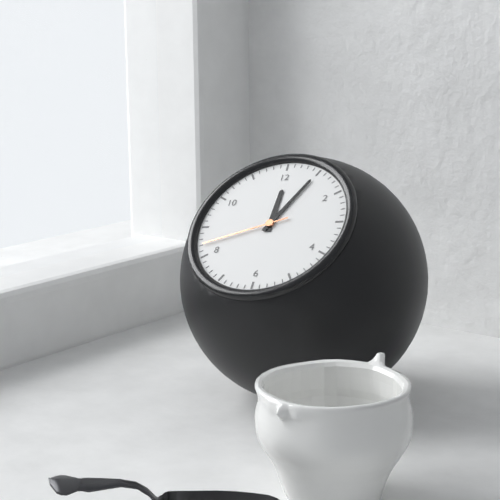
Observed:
12h05m42s
